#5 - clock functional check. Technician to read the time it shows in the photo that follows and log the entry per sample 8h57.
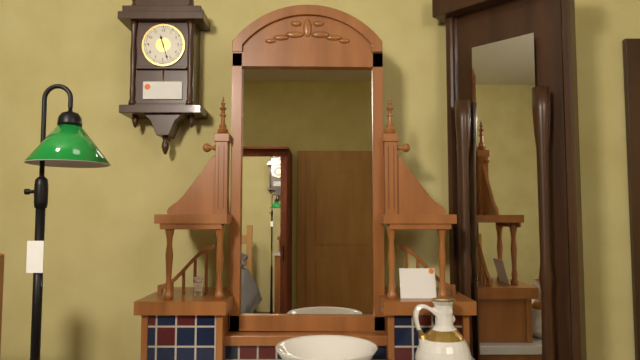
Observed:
11h27
